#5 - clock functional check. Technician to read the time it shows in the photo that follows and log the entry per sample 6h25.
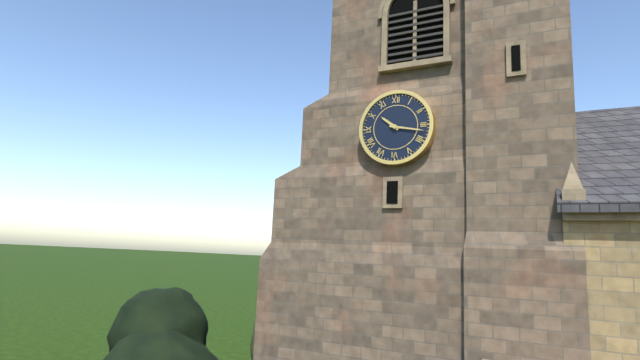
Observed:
10h17
